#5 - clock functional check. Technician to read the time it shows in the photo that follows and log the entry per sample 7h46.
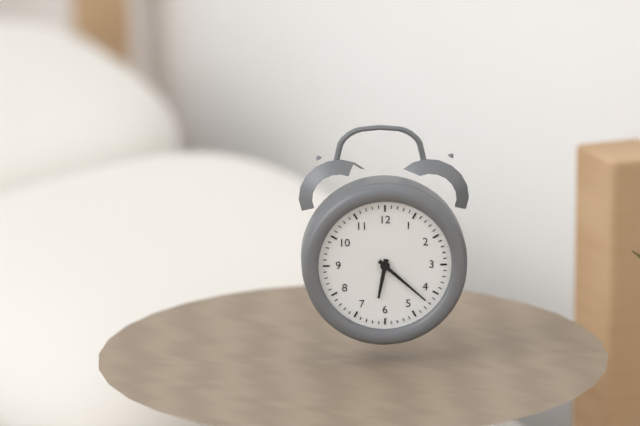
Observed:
6h22
